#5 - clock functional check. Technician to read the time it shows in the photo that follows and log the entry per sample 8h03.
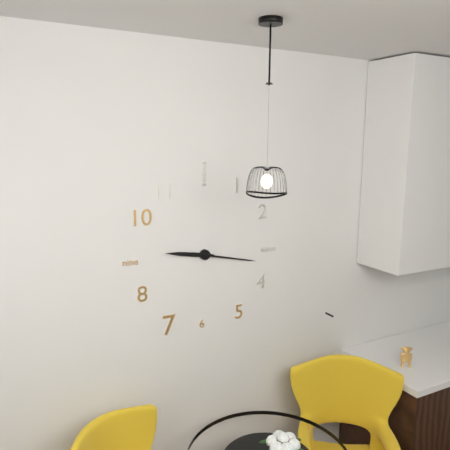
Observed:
9h17
